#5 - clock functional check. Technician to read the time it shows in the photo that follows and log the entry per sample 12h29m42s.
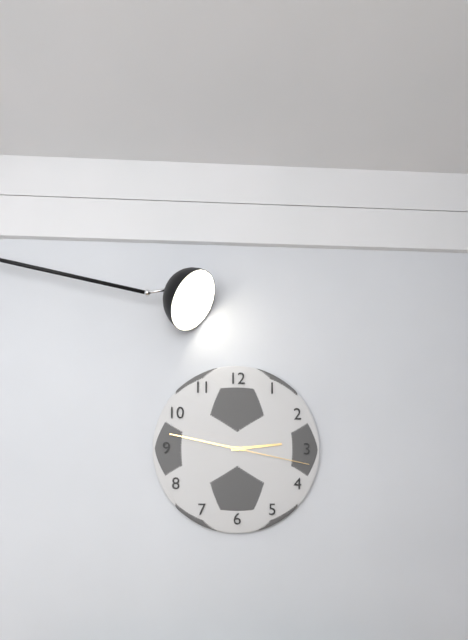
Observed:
2h47m17s
